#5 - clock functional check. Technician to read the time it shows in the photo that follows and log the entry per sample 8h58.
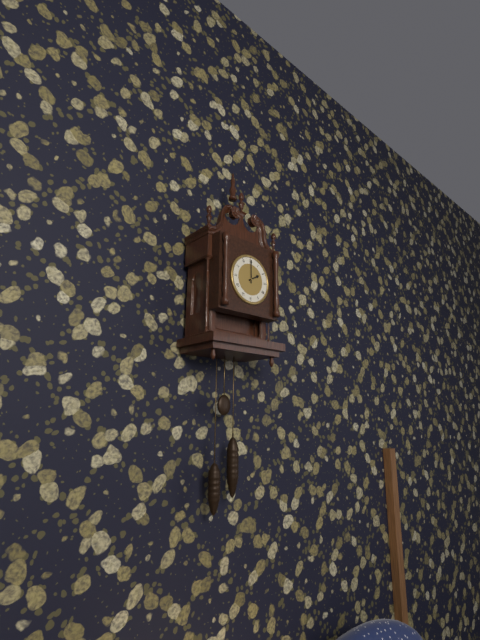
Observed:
2h00
